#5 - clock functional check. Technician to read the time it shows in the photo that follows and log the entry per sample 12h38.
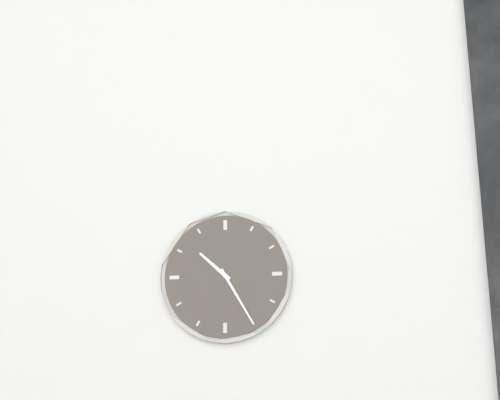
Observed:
10h25
